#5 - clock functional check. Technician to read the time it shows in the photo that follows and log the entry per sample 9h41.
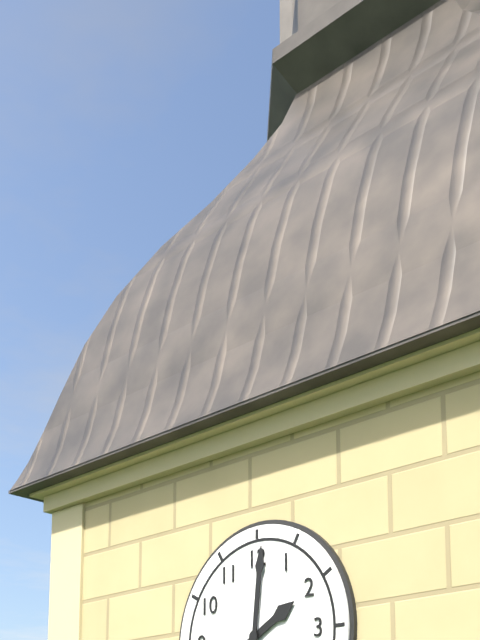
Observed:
2h01
